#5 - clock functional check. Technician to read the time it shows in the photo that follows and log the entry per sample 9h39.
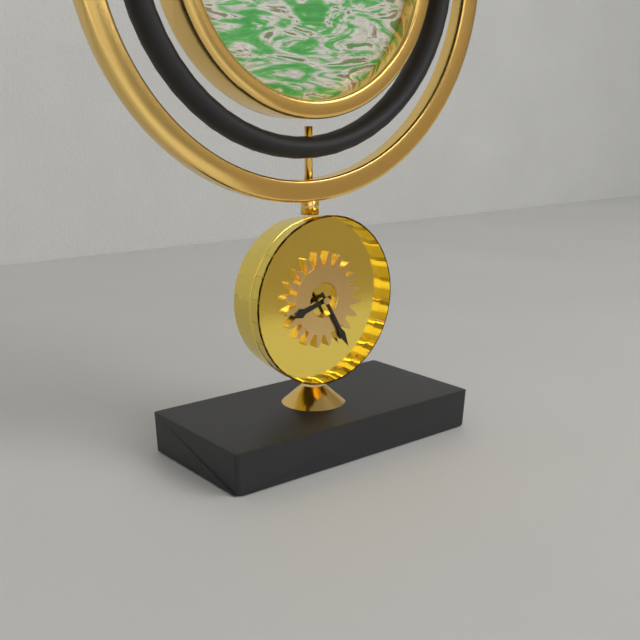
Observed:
8h25
